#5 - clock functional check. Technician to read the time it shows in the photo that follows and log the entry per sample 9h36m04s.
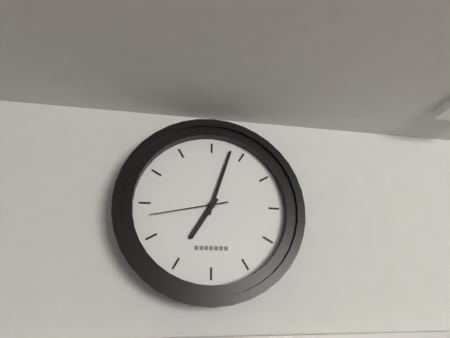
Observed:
7h03m43s
